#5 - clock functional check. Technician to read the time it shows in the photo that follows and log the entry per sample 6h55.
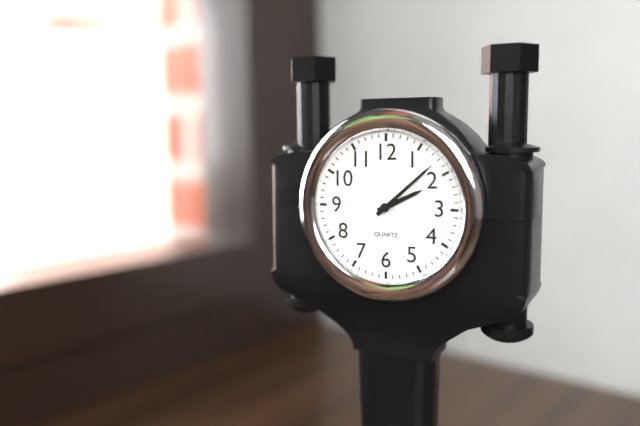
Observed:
2h08
